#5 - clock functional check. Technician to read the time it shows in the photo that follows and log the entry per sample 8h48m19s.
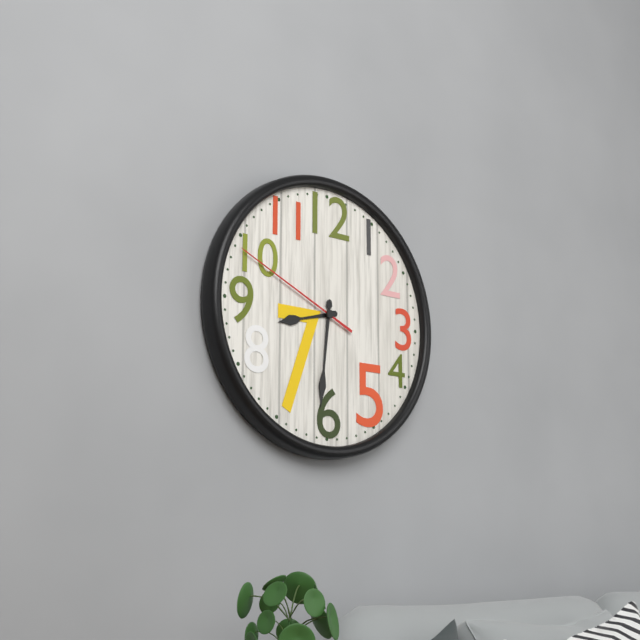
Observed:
8h31m49s
